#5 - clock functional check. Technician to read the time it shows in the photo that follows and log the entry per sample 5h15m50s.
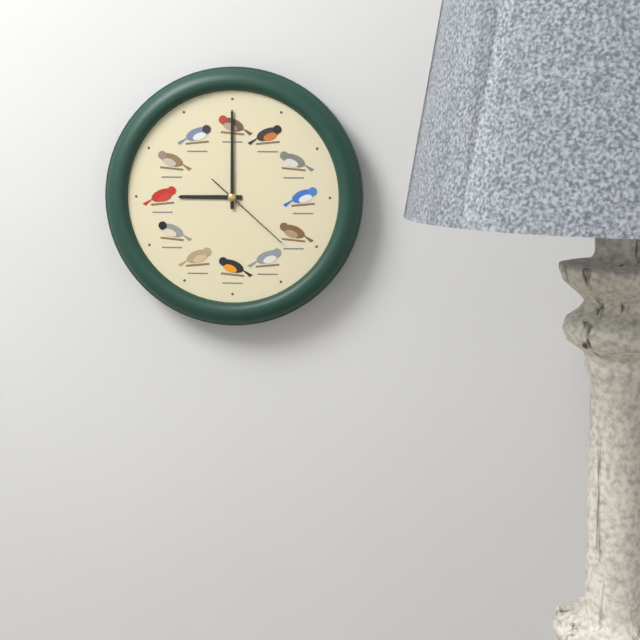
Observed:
9h00m22s
